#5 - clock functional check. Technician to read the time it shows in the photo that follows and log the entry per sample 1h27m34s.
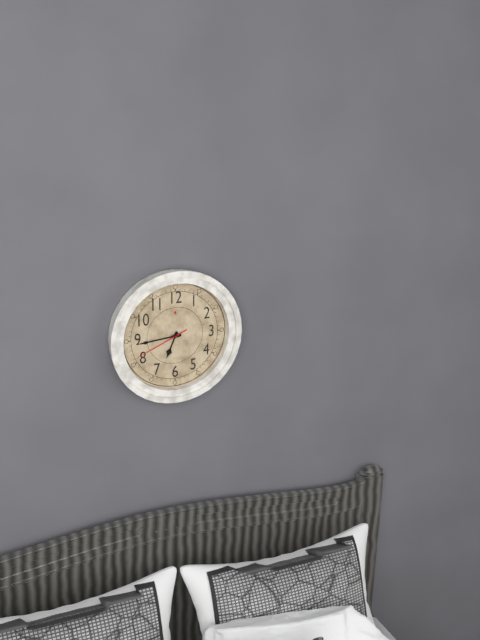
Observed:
6h44m41s
